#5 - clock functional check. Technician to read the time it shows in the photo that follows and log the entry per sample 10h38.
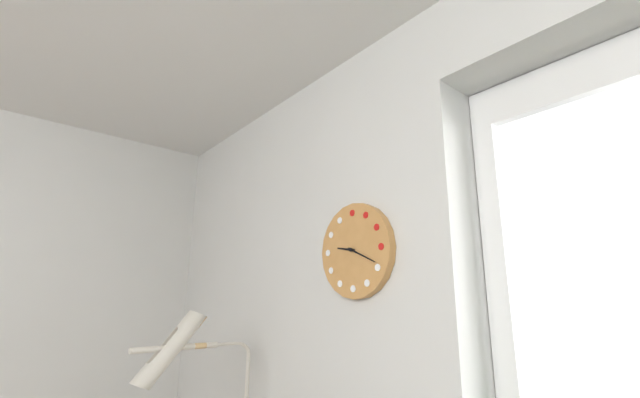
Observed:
9h19
